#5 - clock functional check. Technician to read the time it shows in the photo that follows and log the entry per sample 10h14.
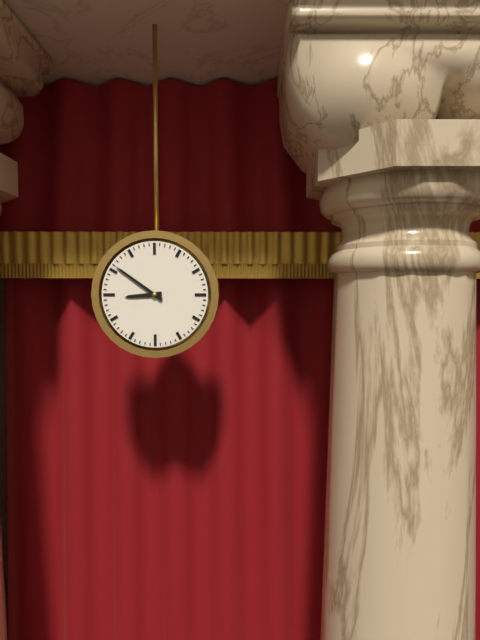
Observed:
8h51
